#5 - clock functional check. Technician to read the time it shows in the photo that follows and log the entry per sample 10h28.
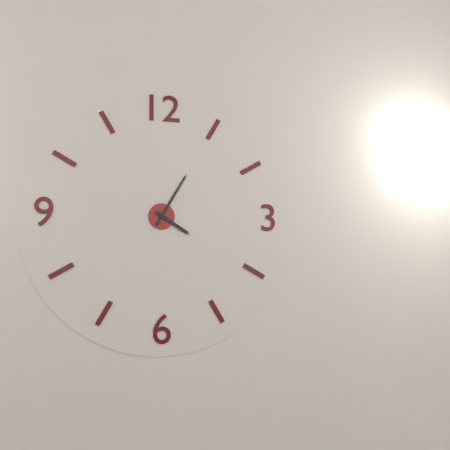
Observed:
4h05
